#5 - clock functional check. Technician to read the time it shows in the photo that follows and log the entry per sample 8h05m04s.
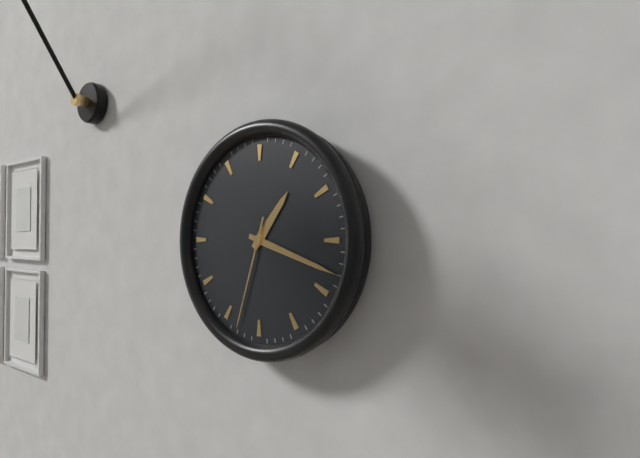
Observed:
1h18m33s
